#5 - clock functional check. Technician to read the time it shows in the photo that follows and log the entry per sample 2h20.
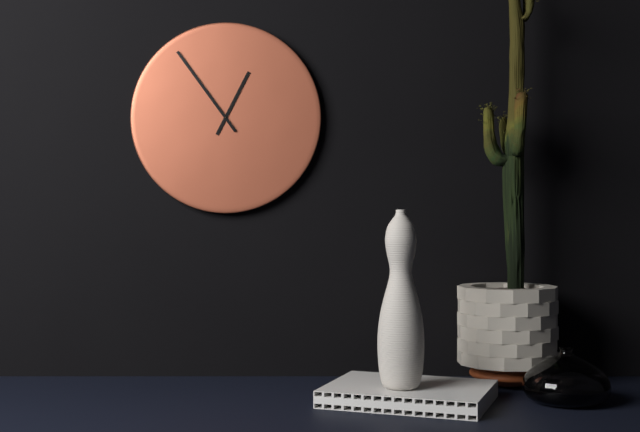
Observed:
12h54
